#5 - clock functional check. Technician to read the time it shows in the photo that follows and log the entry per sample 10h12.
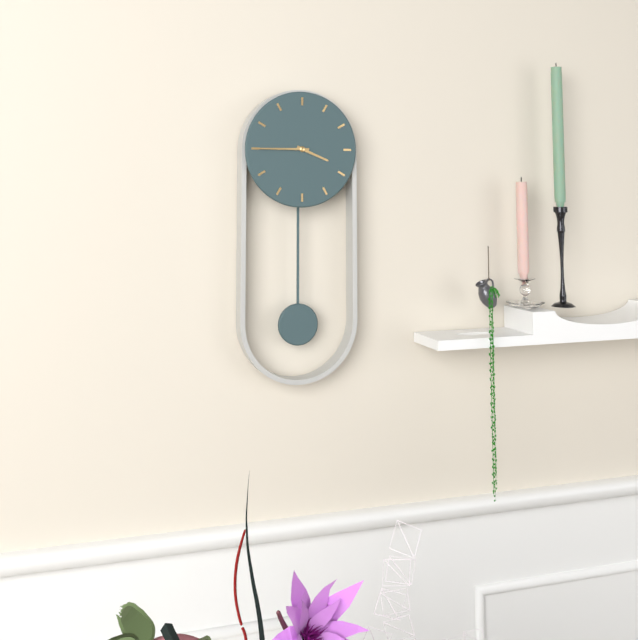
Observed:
3h45
